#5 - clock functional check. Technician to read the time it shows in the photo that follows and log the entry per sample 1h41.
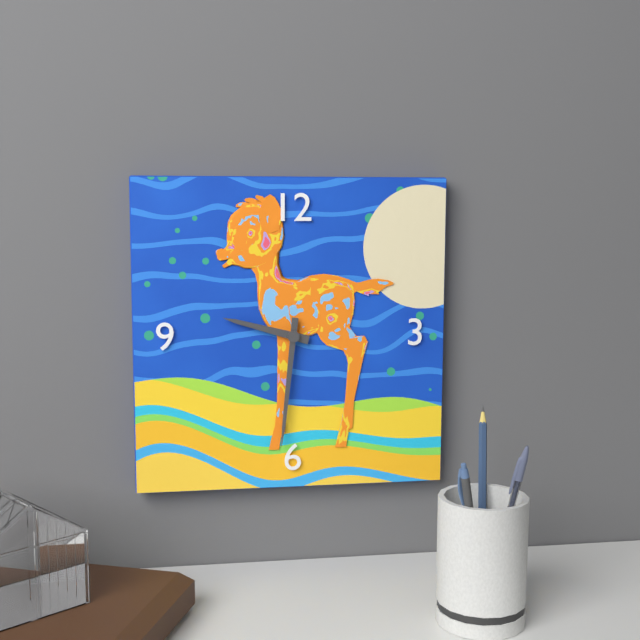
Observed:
9h31
